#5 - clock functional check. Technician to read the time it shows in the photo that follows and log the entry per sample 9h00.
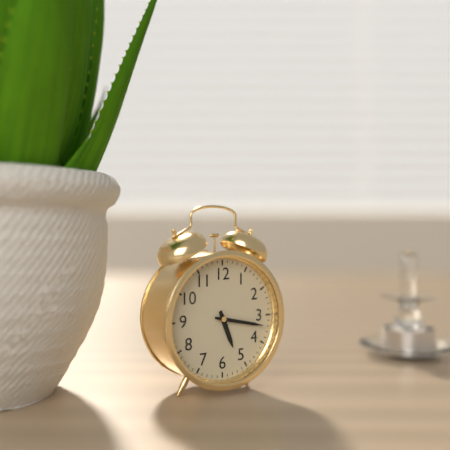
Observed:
5h17
